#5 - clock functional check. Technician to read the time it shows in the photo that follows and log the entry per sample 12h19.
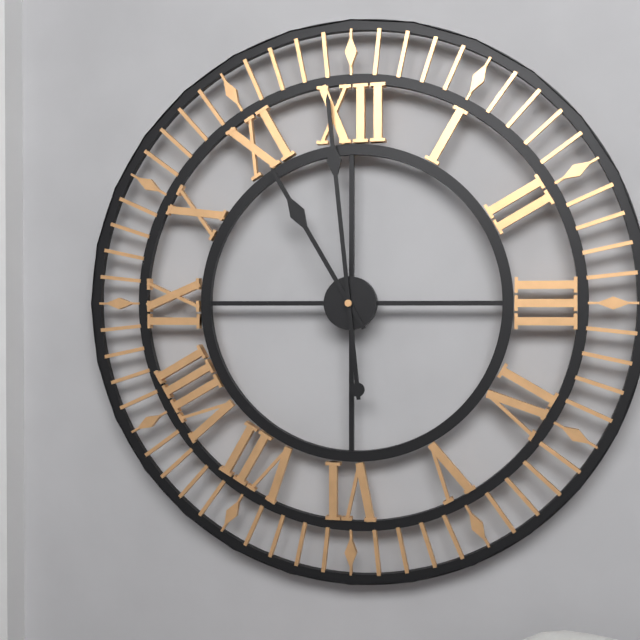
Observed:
10h59
